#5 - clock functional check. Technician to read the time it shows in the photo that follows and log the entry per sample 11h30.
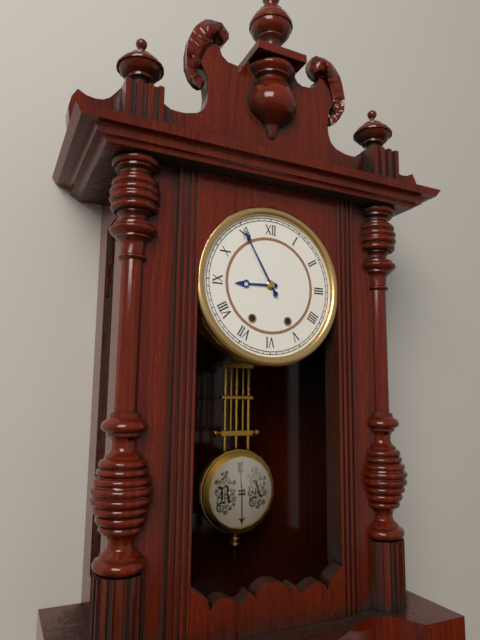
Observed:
8h55
